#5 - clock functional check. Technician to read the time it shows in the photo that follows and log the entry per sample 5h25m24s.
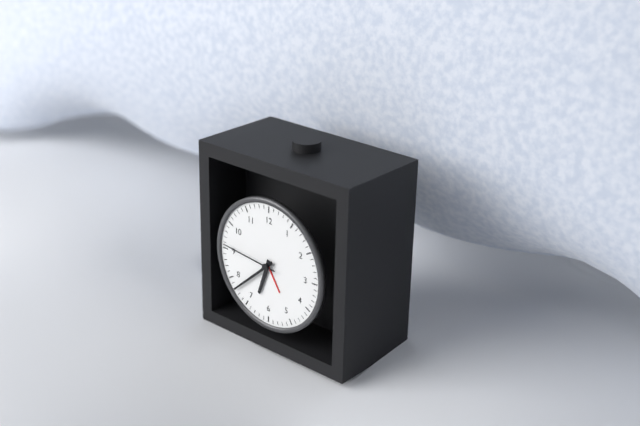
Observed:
6h38m46s
